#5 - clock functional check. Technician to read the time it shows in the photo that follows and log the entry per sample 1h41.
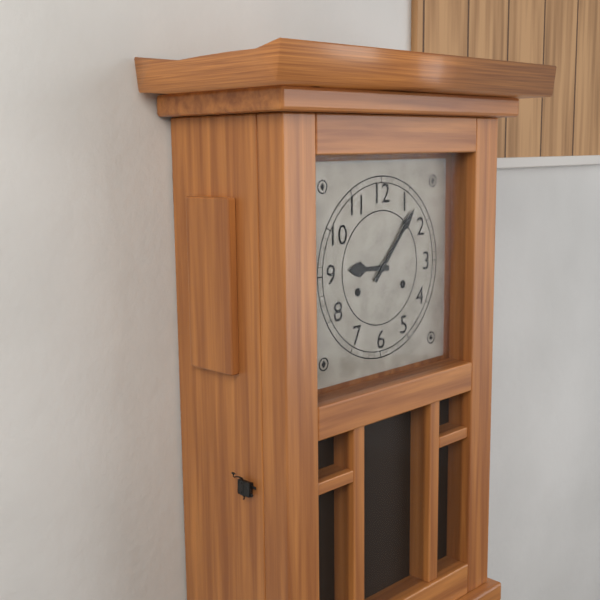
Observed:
9h07
